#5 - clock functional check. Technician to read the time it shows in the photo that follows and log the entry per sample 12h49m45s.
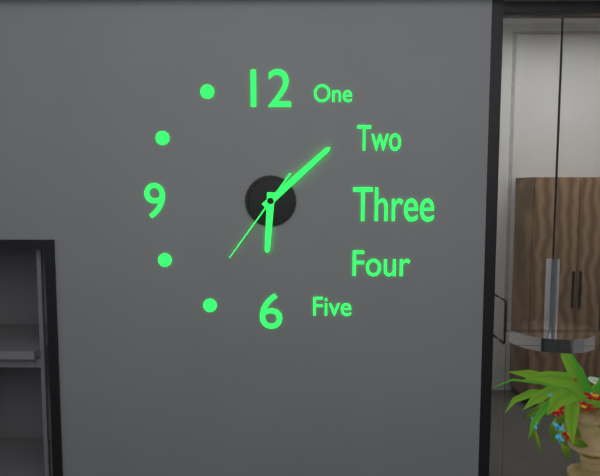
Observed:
6h08m36s
